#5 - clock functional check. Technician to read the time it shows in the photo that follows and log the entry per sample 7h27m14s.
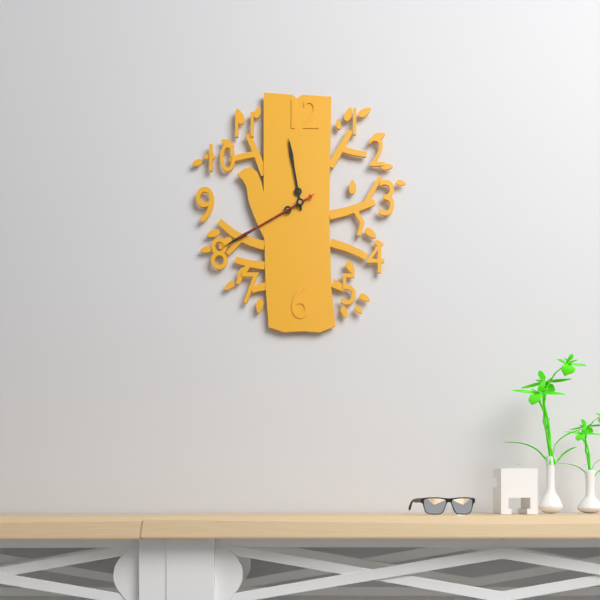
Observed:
11h40m40s
